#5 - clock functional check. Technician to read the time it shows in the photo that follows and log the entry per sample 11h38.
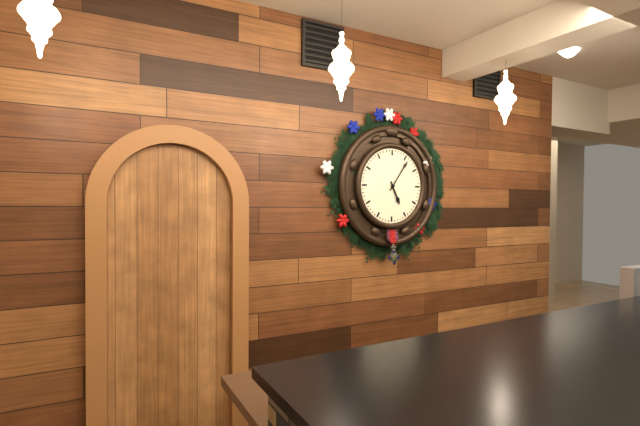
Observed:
5h06
